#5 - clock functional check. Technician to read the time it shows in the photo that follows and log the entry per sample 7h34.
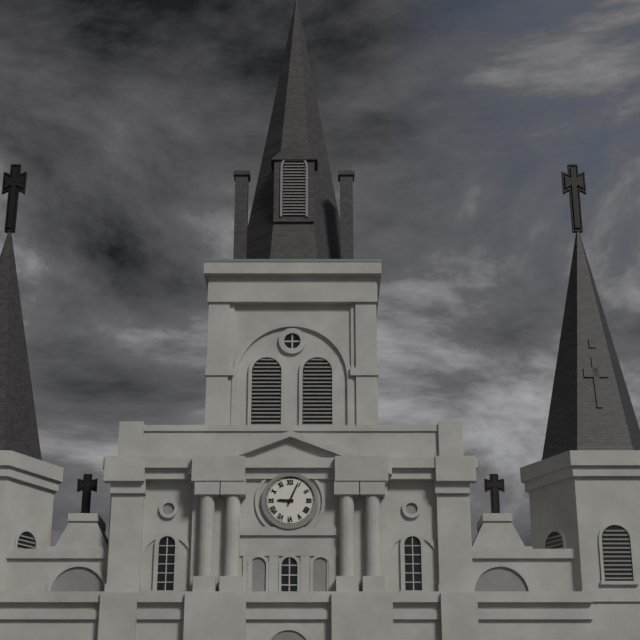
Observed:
9h04
